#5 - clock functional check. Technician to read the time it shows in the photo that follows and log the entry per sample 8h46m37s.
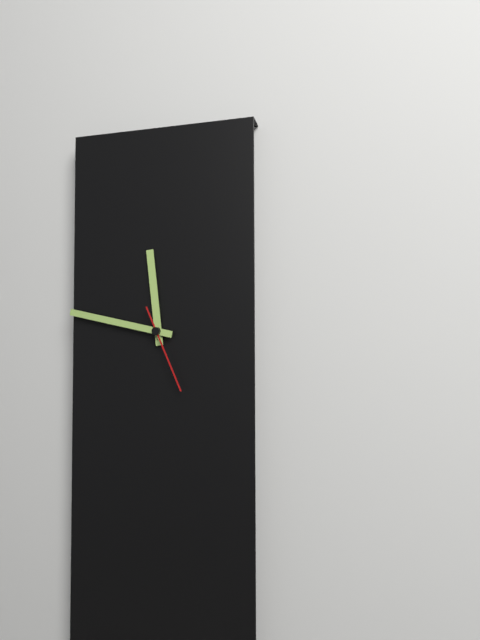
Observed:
11h47m26s
